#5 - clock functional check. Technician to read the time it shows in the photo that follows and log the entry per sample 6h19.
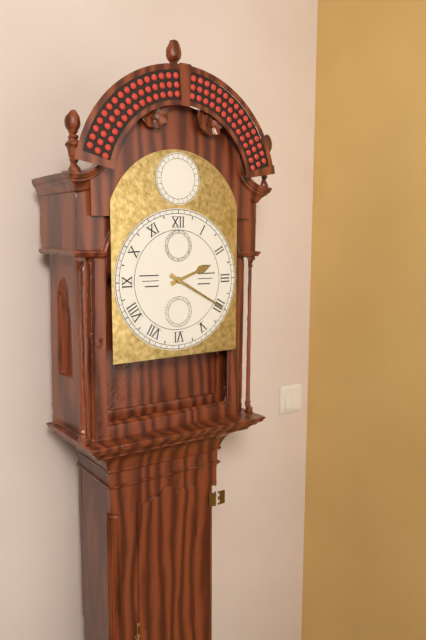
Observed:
2h20
